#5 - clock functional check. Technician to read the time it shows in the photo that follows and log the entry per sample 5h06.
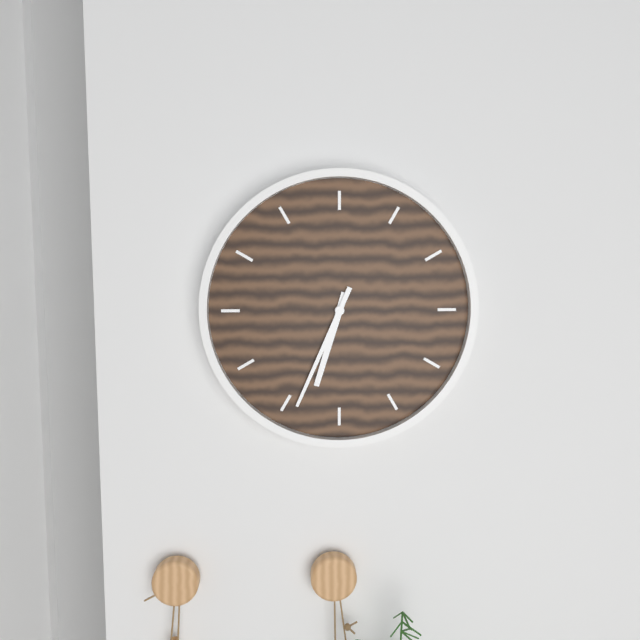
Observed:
6h34
